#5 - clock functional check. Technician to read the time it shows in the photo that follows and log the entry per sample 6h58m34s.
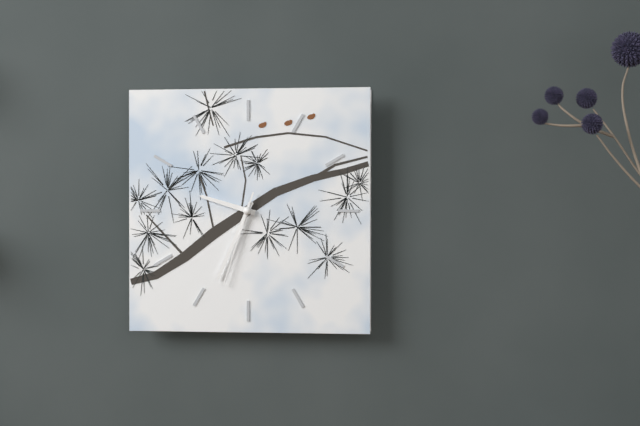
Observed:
9h34m33s
